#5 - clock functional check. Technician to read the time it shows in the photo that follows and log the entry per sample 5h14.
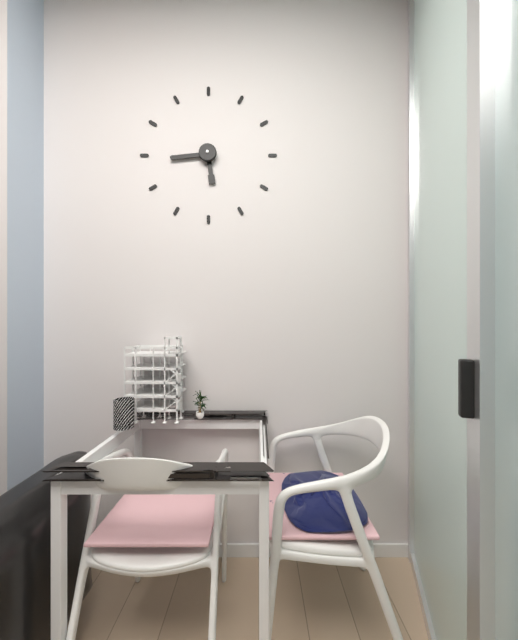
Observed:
5h44
